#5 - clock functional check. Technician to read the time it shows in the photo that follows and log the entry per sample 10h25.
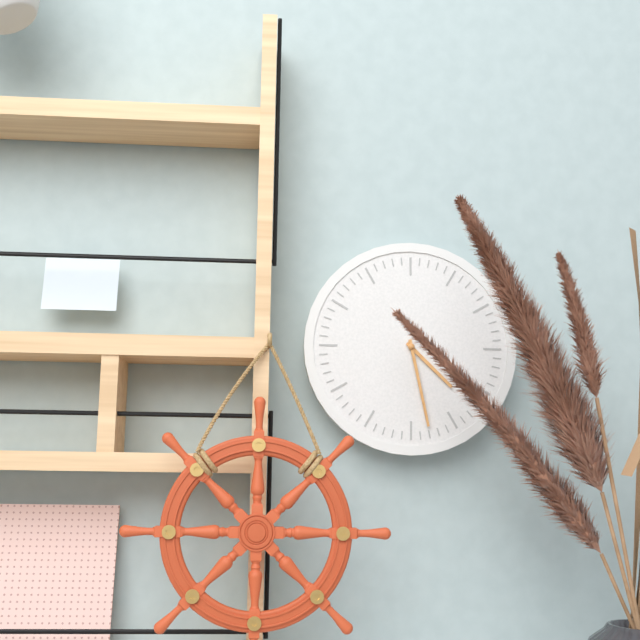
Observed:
4h28
